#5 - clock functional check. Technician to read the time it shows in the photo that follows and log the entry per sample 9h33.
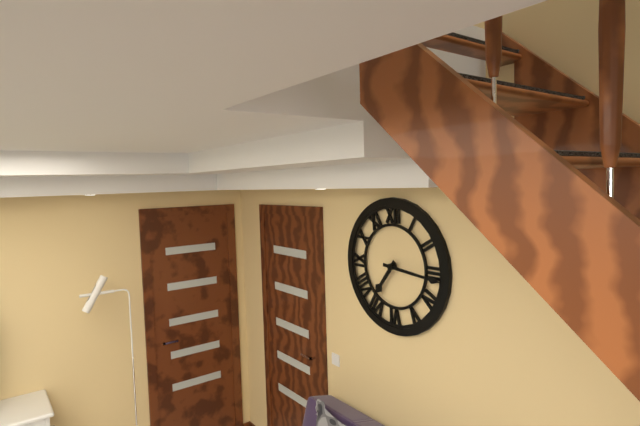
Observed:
7h16
